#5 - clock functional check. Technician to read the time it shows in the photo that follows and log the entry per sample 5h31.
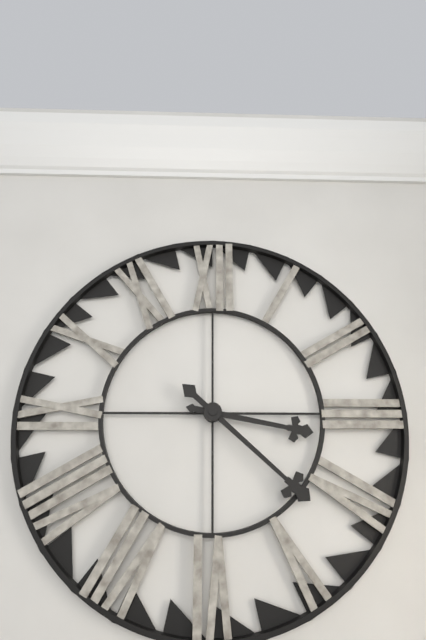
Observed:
3h22
